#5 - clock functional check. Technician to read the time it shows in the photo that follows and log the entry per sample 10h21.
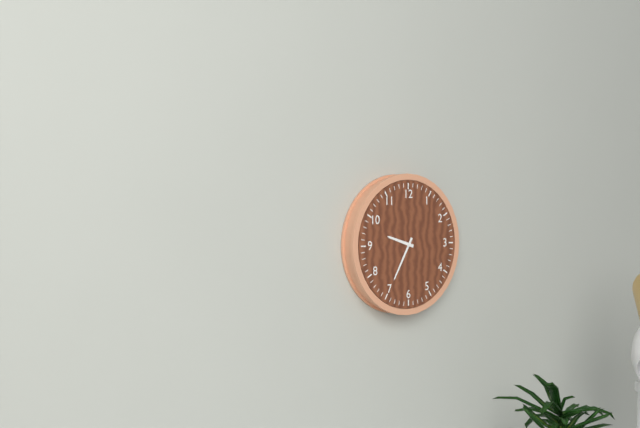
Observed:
9h35
